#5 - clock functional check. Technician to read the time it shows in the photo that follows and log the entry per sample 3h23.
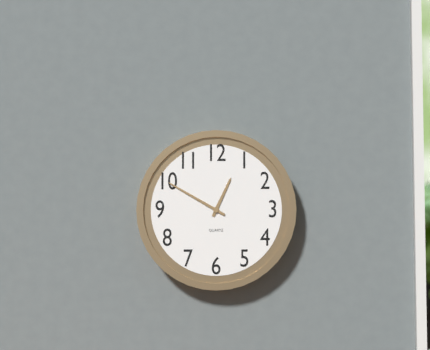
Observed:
12h50
